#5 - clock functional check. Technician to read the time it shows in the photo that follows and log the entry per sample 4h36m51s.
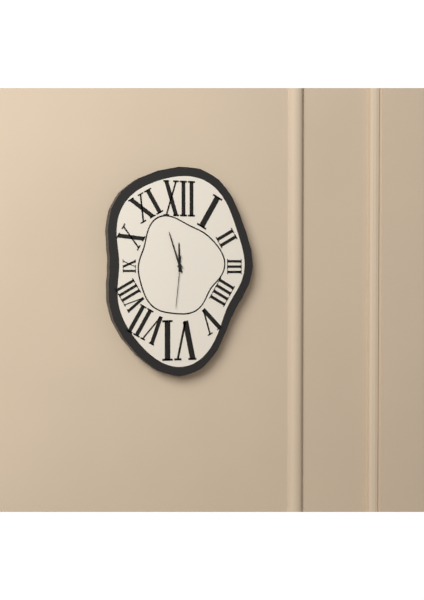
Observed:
11h57m31s
